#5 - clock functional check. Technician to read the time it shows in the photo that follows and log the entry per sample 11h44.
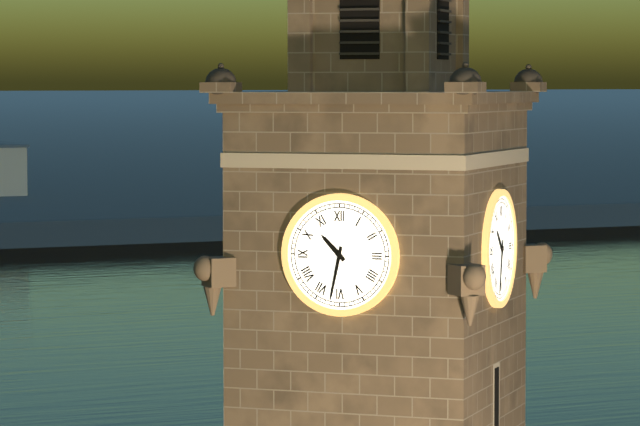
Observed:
10h32
